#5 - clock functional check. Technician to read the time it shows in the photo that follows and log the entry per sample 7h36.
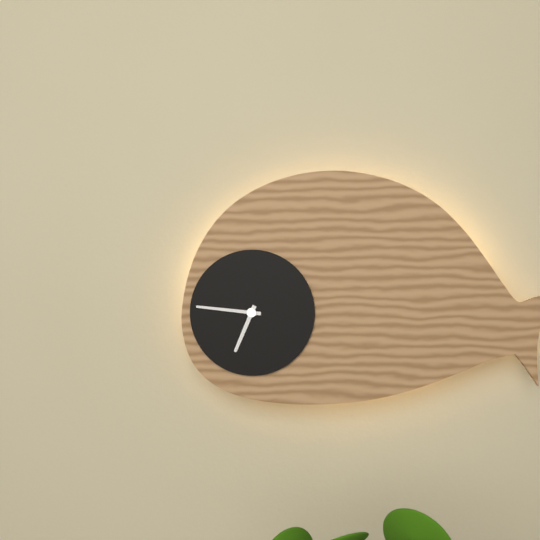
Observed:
6h46
